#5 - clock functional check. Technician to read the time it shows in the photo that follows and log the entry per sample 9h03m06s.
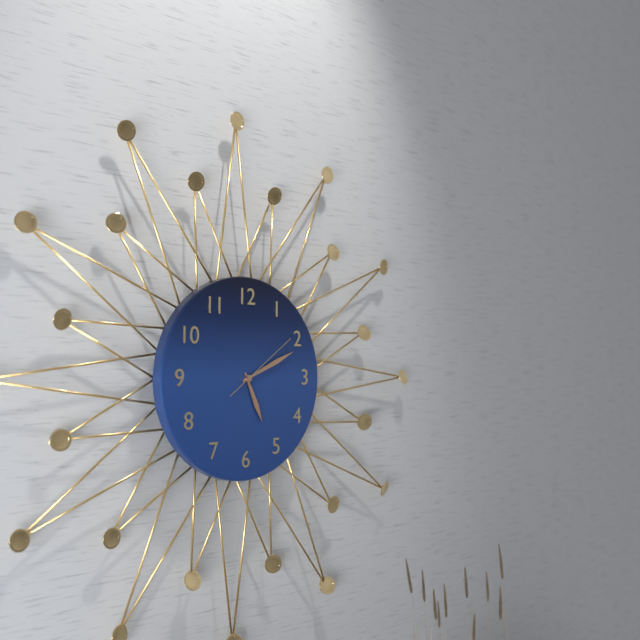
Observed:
5h11m09s
